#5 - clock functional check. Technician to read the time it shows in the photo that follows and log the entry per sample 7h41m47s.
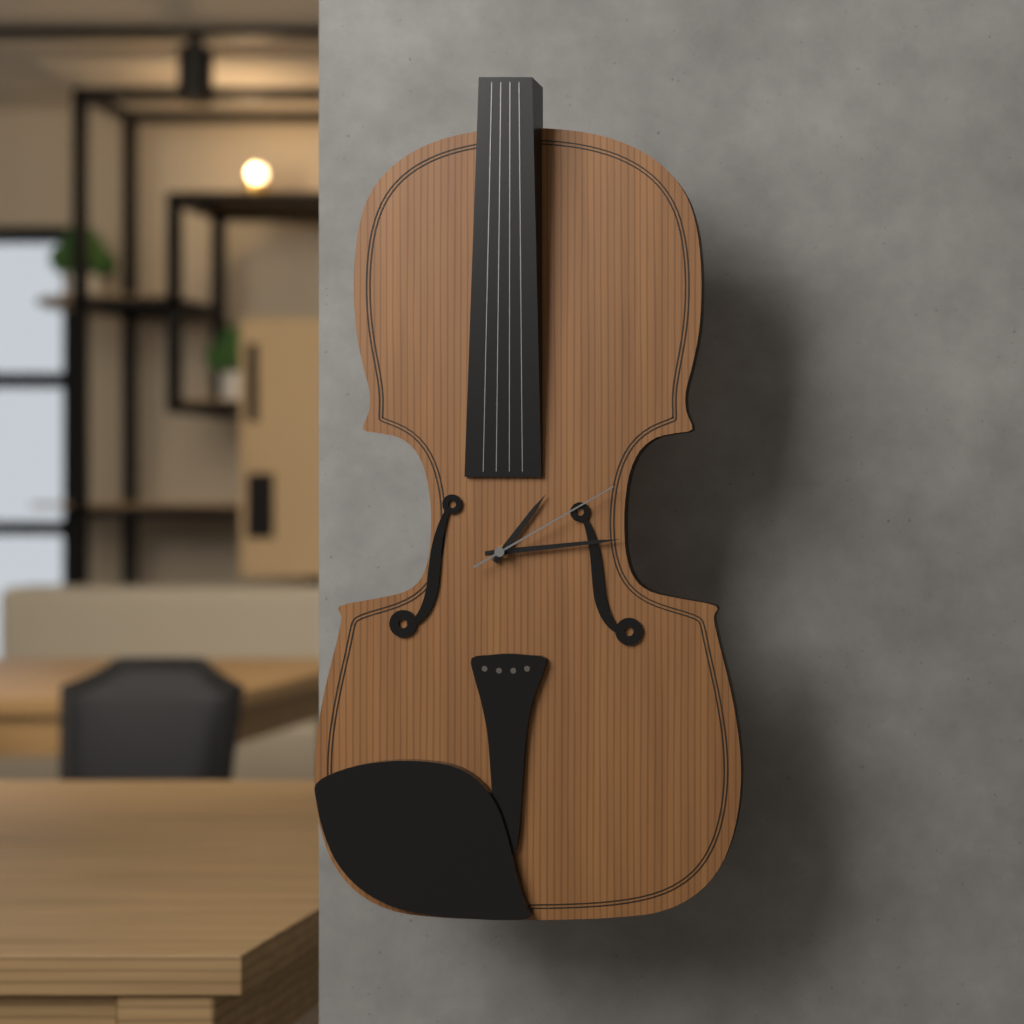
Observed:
1h14m10s
